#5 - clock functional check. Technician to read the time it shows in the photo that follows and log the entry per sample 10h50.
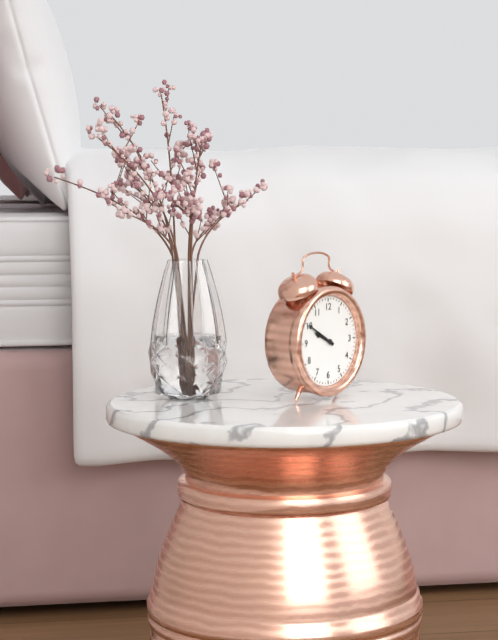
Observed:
9h50
